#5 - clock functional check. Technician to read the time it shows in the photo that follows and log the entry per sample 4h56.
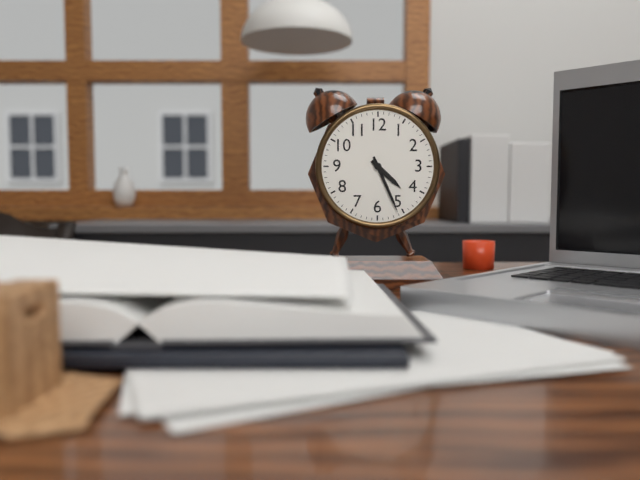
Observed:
4h26
